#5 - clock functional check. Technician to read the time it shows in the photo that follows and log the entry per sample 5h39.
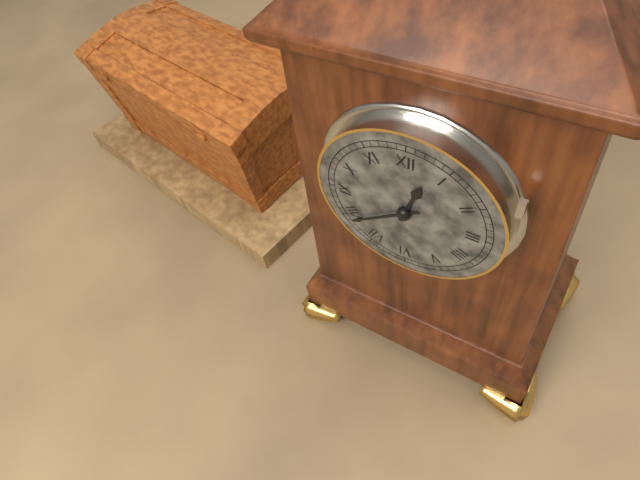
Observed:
12h39
